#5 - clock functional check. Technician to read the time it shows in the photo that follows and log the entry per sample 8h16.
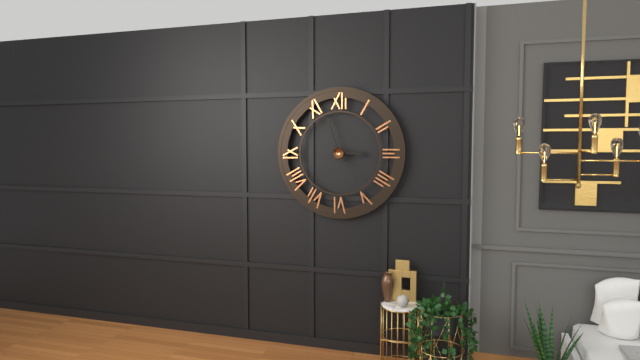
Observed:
2h57
